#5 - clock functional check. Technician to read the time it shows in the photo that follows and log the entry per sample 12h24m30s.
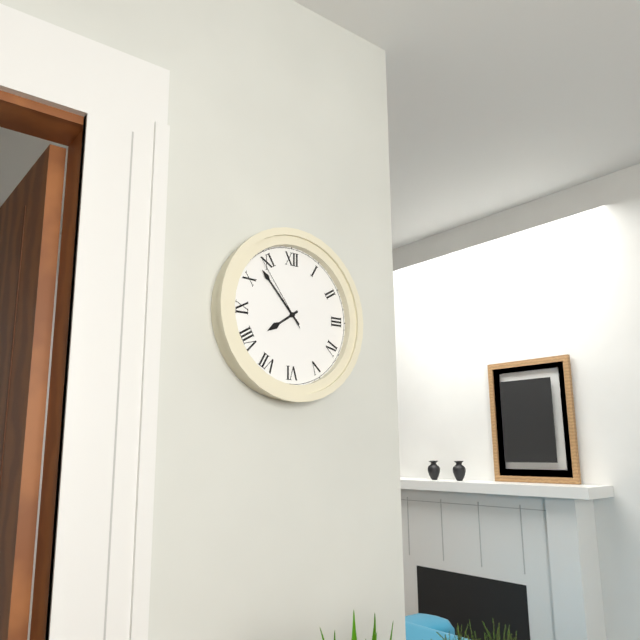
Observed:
7h53m54s
